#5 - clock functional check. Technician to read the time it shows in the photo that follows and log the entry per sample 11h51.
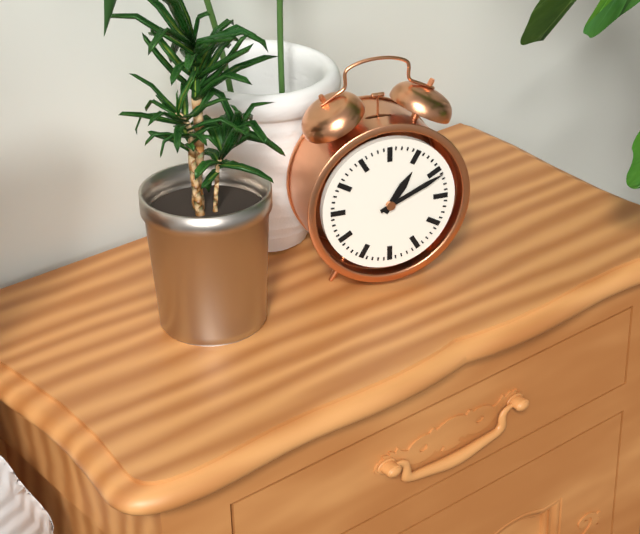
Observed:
1h11
